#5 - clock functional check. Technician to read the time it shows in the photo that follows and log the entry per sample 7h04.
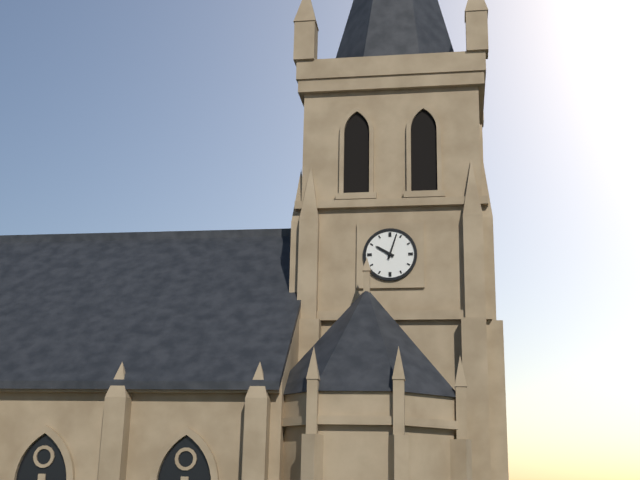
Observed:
10h03
